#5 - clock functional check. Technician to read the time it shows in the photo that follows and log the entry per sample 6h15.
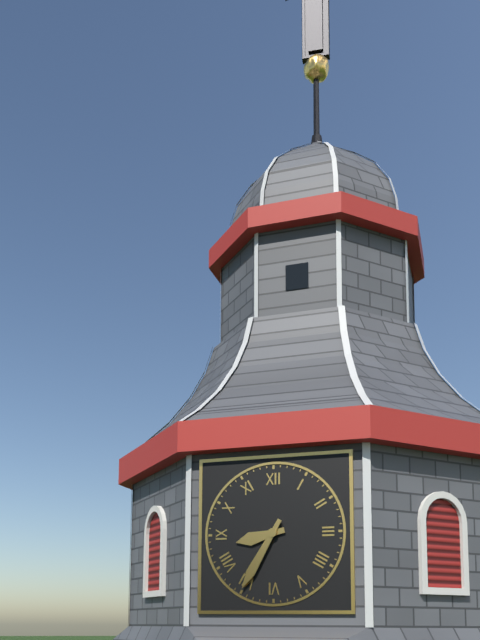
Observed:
8h35
